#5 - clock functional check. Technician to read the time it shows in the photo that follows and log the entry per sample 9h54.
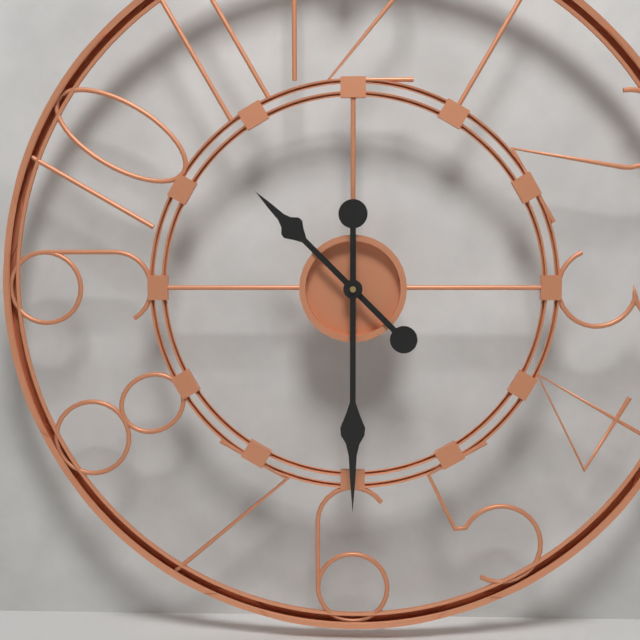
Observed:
10h30
